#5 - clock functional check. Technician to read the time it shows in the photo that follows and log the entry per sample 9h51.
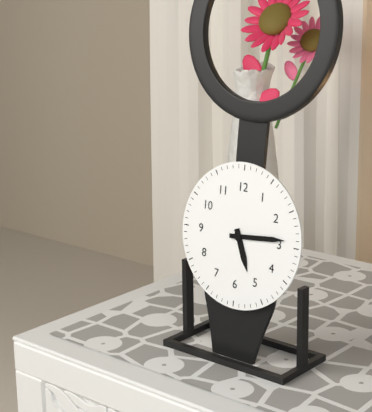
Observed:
5h14
